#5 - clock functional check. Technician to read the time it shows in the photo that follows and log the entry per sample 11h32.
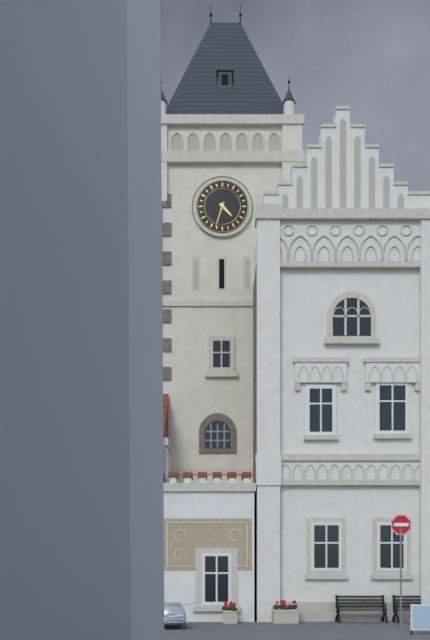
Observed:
4h33
